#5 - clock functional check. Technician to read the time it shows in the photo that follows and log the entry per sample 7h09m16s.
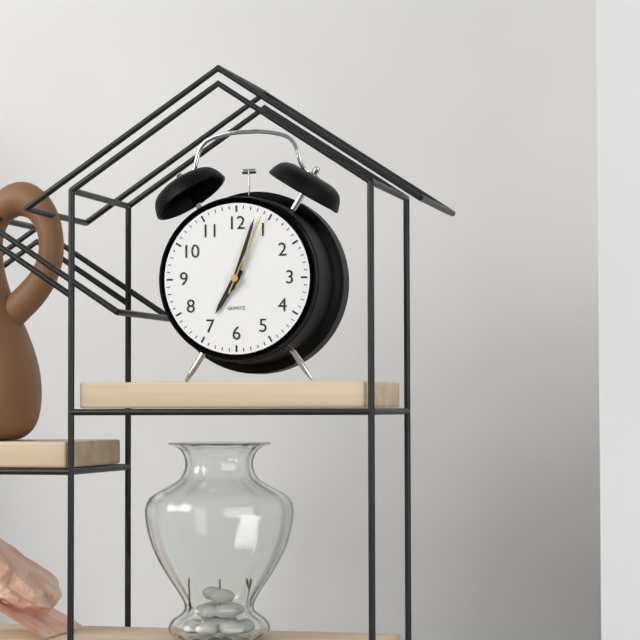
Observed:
7h03m04s
